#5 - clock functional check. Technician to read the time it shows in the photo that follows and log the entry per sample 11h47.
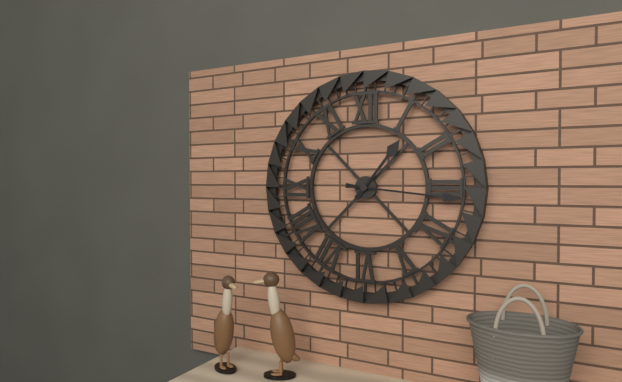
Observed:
1h16
